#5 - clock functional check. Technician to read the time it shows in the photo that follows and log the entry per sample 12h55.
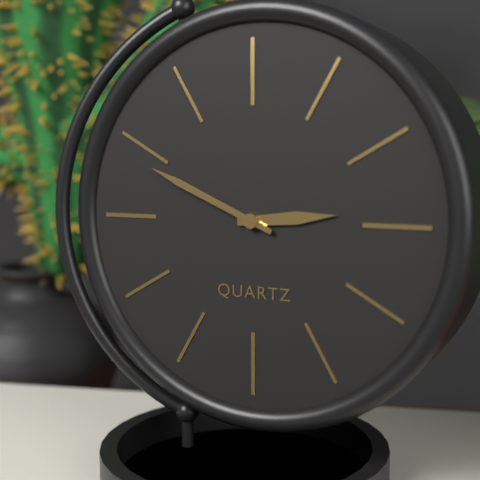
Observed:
2h49
